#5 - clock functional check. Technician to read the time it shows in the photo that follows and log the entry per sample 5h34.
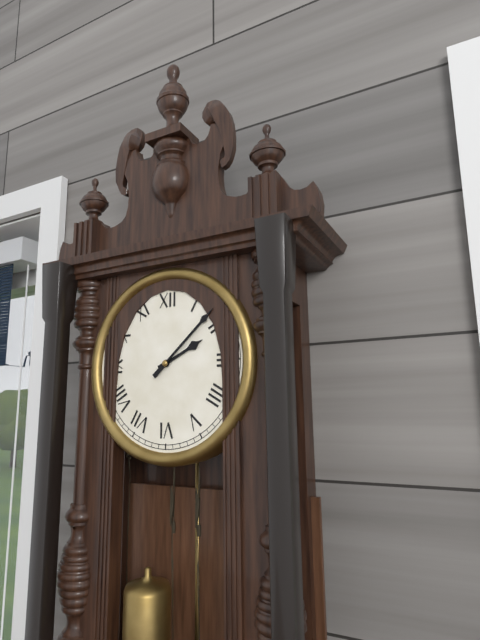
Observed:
2h08
